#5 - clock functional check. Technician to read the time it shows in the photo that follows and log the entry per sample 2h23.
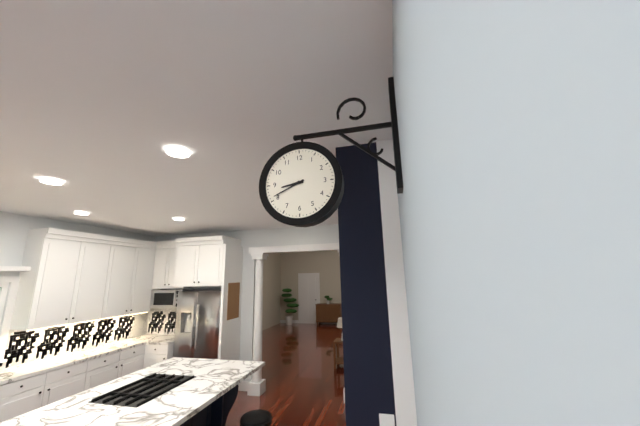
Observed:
8h41
